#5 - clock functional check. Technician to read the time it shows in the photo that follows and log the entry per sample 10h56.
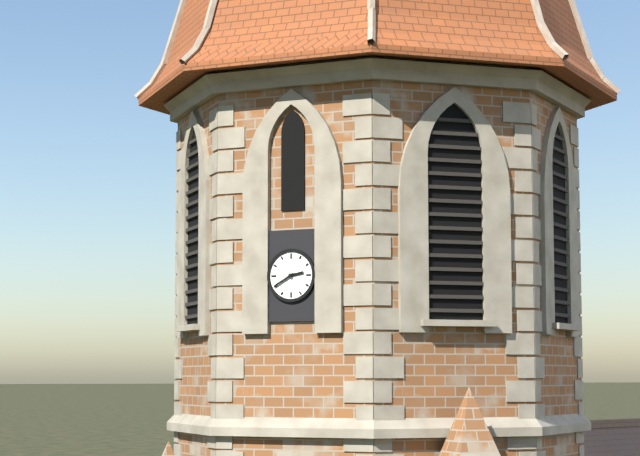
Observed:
2h40
